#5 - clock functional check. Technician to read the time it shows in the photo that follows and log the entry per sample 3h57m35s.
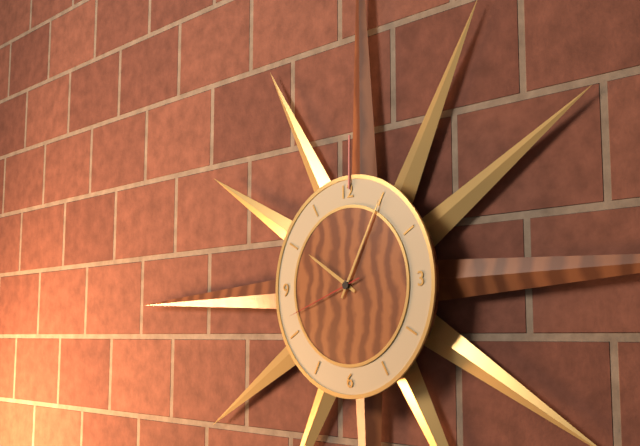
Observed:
10h05m42s
